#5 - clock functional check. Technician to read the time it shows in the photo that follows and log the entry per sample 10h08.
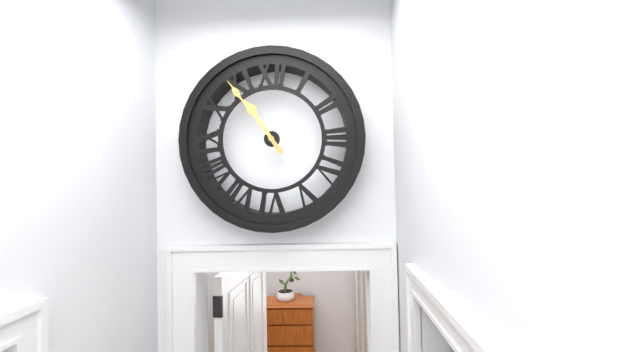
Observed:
10h54
